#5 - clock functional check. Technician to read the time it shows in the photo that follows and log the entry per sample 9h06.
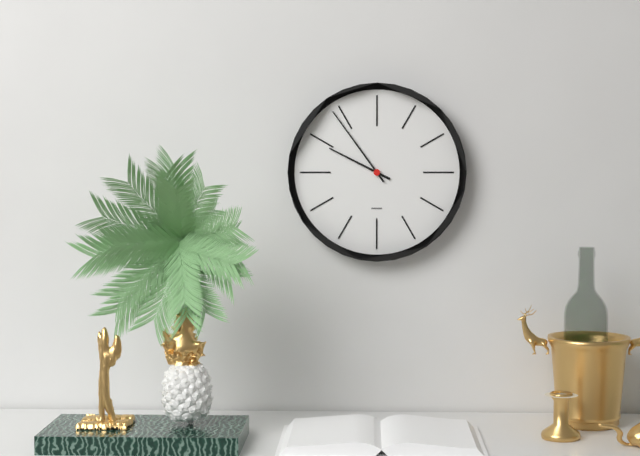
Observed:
9h54
